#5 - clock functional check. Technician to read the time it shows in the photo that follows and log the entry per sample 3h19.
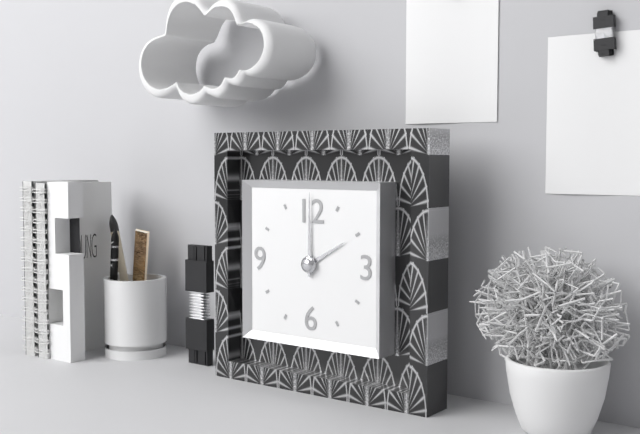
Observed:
2h00
